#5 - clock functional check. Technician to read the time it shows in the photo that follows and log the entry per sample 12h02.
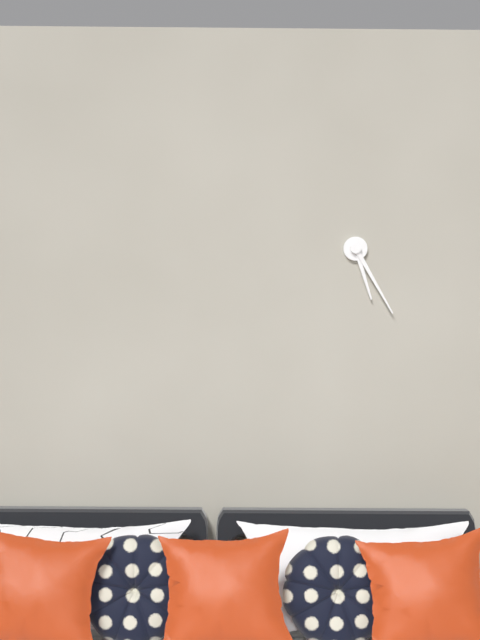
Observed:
5h25
